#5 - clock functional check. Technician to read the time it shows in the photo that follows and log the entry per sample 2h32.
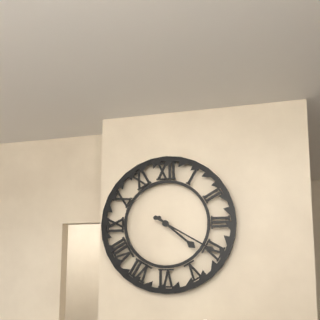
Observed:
4h20
